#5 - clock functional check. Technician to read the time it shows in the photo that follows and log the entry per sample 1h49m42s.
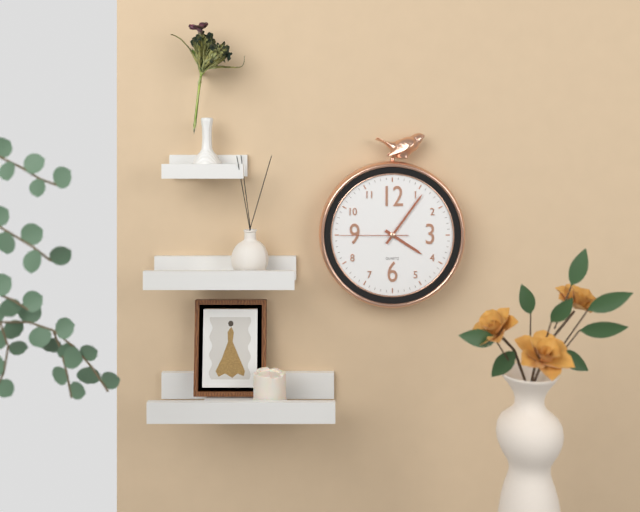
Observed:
4h06m45s
